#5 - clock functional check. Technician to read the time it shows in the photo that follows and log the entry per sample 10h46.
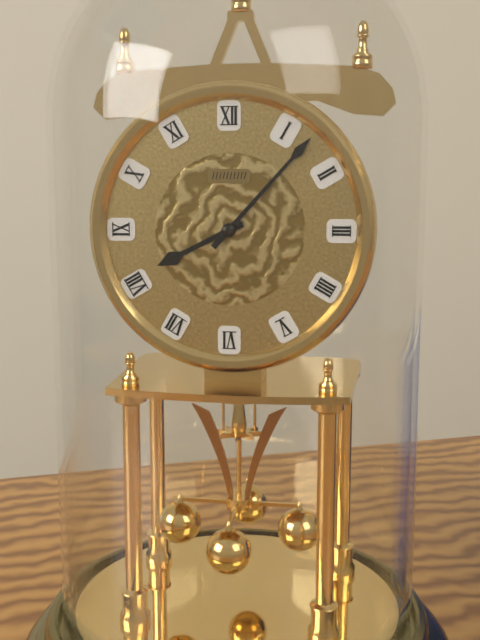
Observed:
8h07
